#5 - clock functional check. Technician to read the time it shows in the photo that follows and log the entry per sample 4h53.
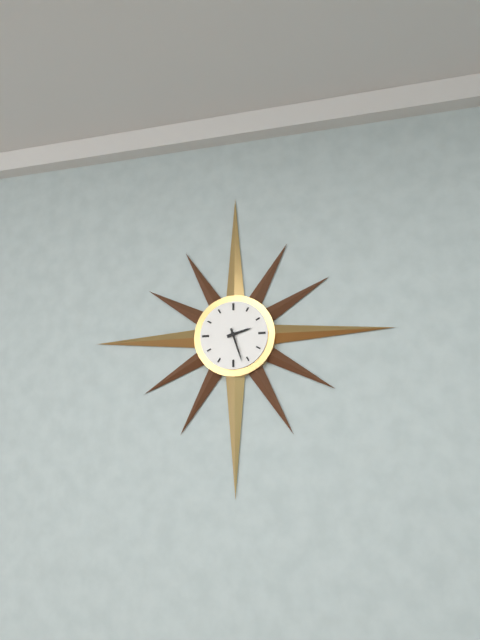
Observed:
2h27
